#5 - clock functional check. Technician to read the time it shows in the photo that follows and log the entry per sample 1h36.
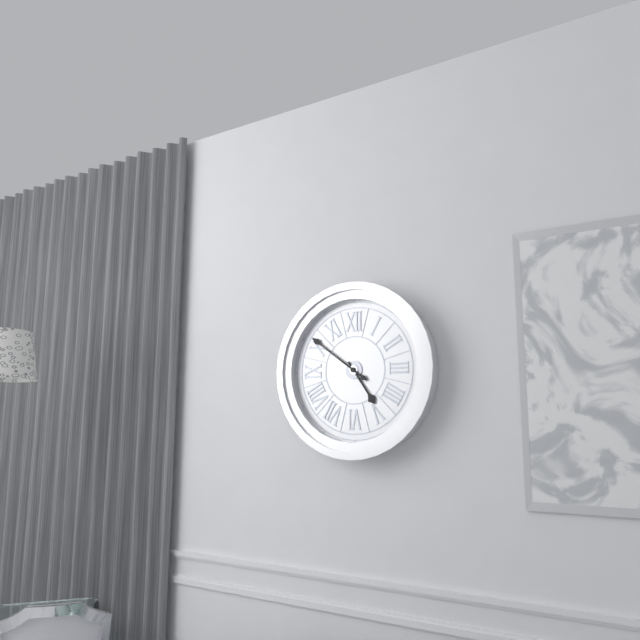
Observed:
4h51
